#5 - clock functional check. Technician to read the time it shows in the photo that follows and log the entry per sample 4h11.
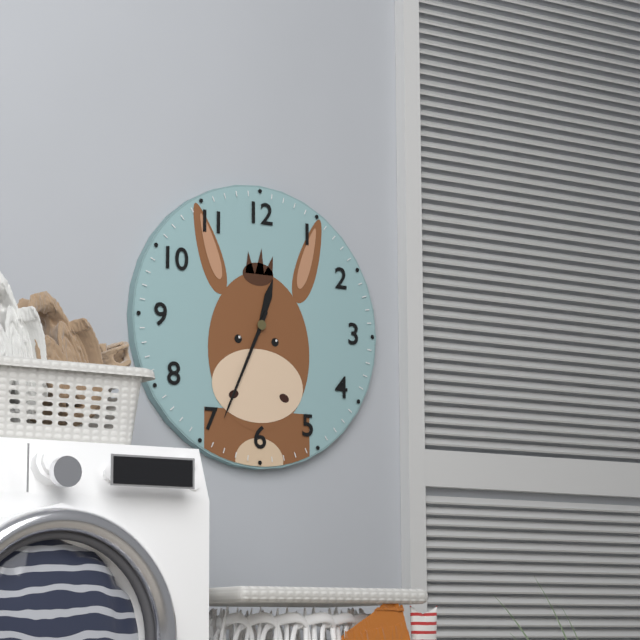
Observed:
12h34
